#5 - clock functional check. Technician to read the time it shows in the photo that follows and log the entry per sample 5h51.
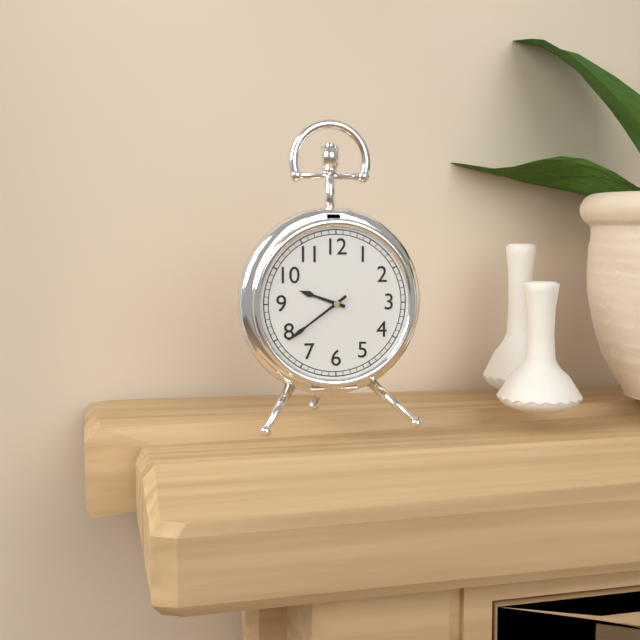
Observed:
9h39
